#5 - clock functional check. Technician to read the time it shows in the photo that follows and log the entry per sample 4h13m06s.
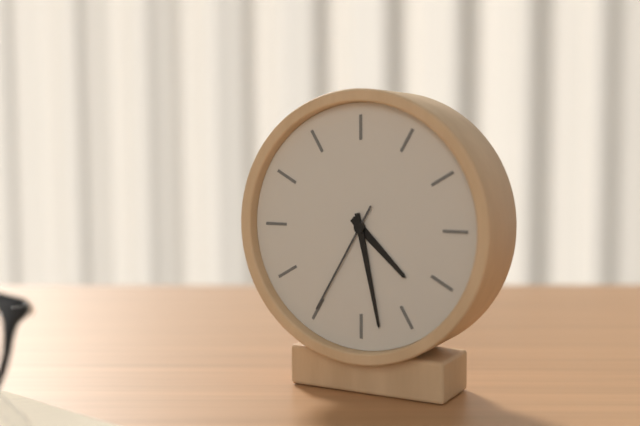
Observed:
4h28m35s
